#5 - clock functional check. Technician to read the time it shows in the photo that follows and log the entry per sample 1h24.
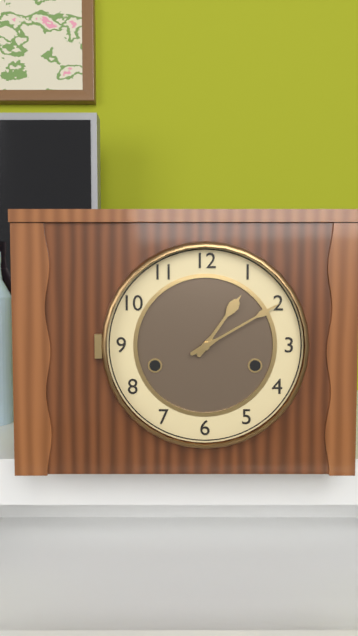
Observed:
1h10
